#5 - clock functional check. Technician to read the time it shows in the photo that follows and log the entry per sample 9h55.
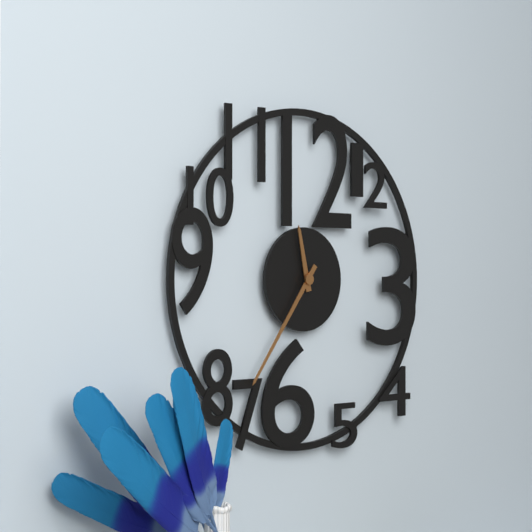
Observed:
11h36
